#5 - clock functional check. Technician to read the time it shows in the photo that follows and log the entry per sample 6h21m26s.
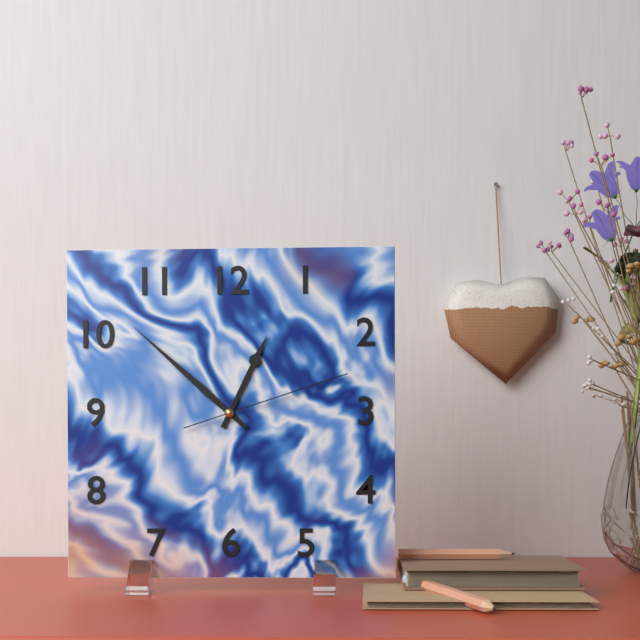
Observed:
12h52m12s
